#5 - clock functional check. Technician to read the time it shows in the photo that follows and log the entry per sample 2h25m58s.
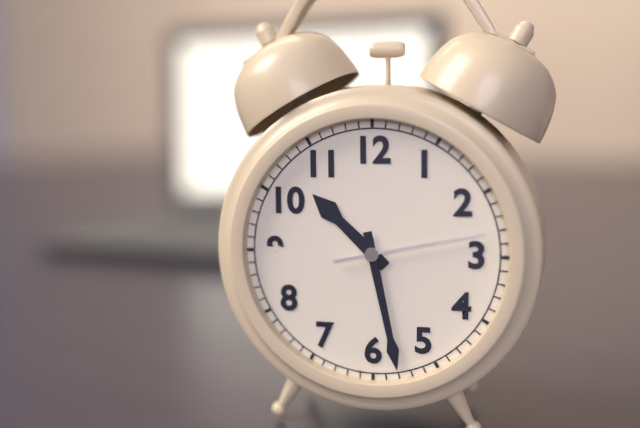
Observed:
10h28m13s
